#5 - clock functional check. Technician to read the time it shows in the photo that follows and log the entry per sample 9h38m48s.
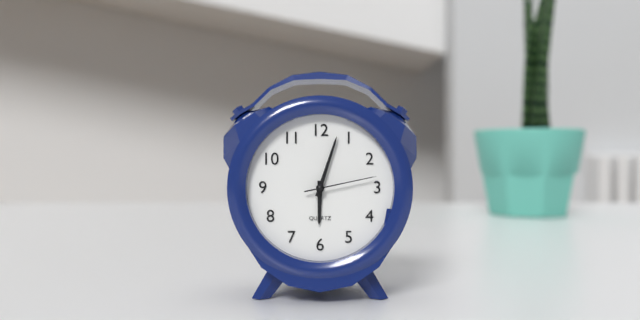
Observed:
6h03m13s
